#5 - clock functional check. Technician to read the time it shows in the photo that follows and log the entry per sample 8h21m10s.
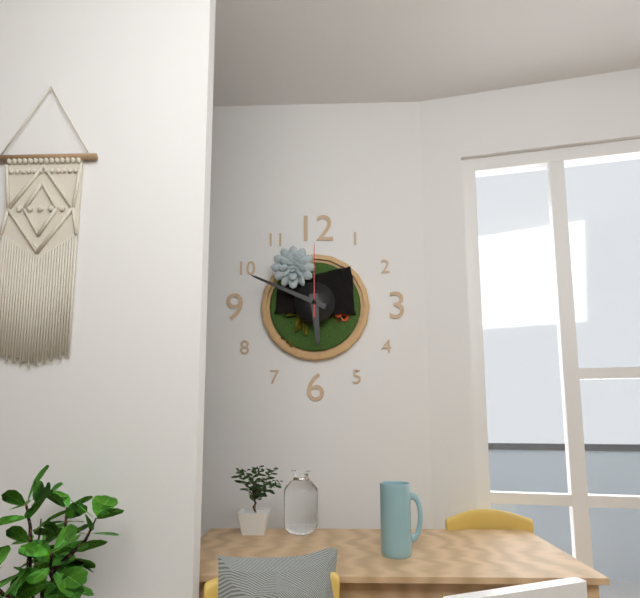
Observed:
5h49m00s
